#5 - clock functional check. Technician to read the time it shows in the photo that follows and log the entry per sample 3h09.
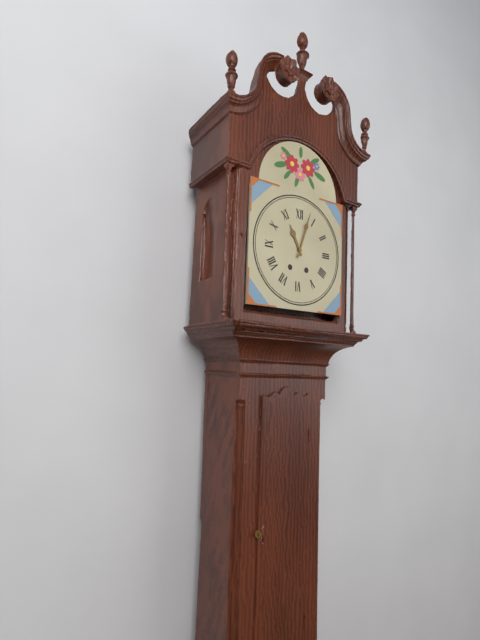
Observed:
11h03
